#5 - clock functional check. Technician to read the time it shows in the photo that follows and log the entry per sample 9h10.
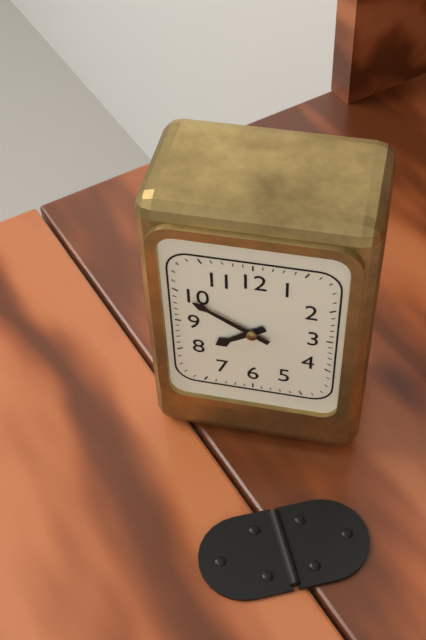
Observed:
7h50
